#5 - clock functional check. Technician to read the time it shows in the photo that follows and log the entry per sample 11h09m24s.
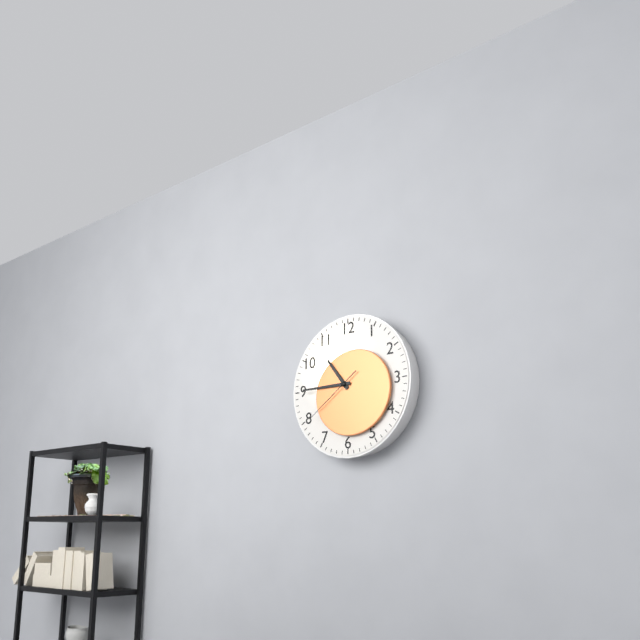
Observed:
10h45m39s
